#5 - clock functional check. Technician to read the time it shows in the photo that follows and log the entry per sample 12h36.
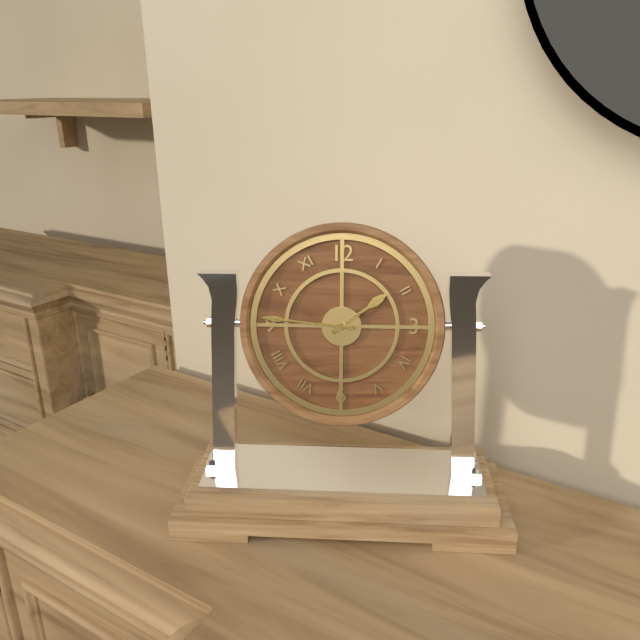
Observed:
1h46
